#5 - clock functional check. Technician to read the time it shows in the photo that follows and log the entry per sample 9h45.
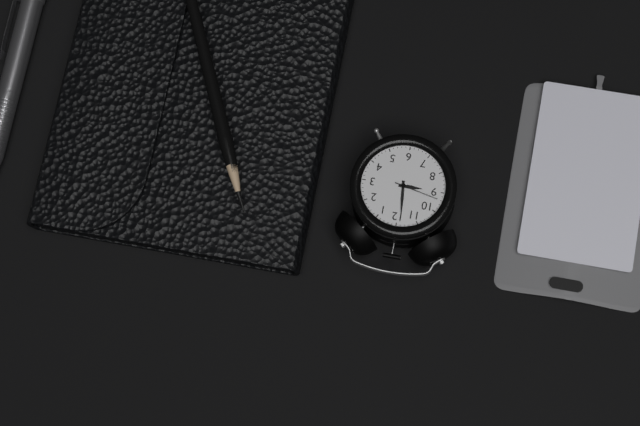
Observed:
8h59
